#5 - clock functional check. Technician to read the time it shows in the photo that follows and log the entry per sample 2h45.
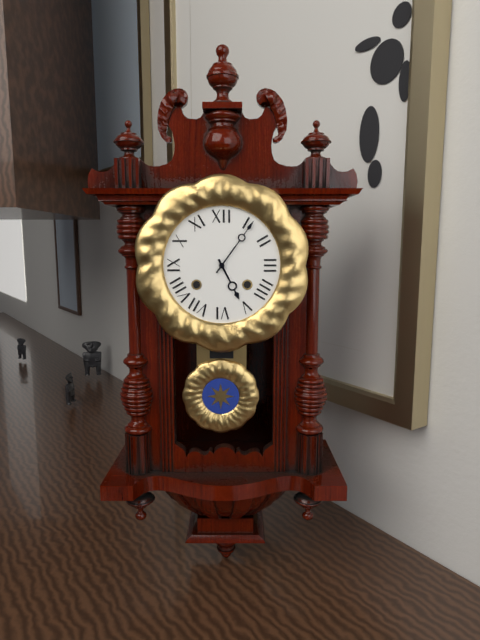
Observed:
5h06
